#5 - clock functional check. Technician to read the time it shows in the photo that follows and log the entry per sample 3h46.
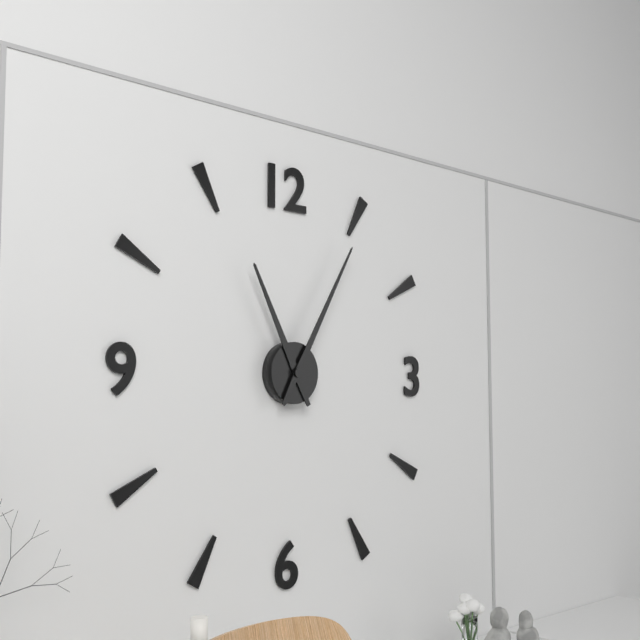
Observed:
11h05
